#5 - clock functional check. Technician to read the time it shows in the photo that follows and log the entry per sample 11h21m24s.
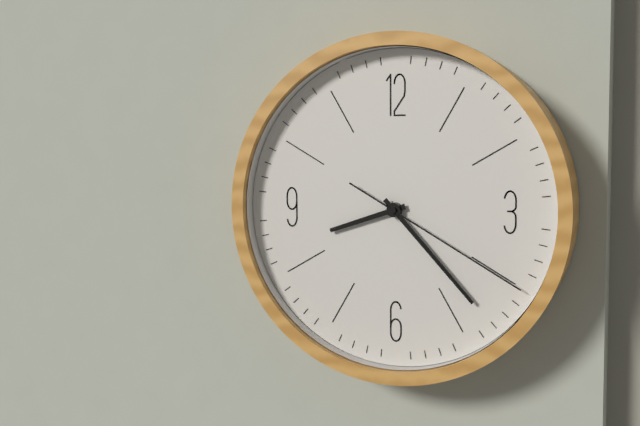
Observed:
8h23m20s
